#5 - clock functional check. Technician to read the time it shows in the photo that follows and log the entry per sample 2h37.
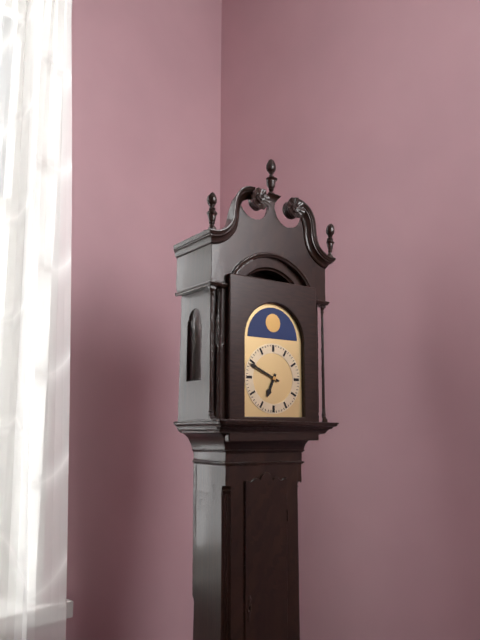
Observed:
6h49
